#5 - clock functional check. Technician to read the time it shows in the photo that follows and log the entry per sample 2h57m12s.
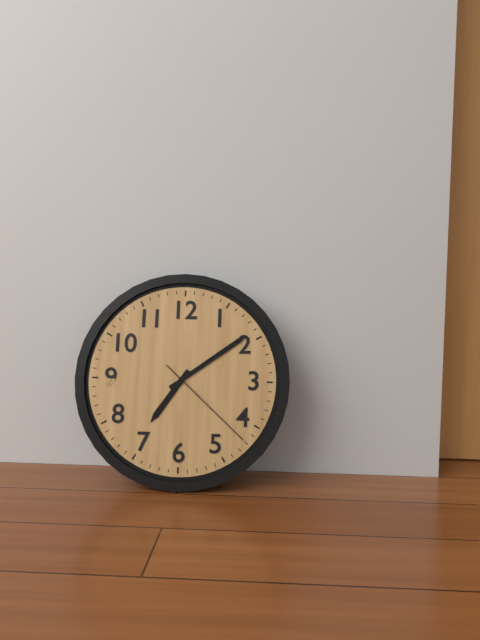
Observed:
7h09m22s
